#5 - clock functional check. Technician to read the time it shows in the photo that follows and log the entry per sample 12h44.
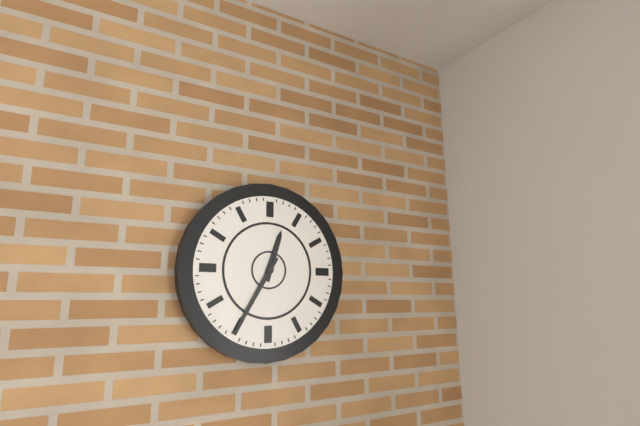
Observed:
12h35
